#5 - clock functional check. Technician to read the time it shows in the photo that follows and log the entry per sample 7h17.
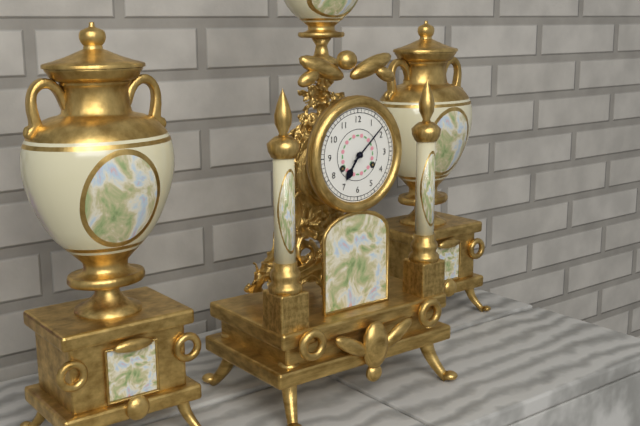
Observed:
7h08
